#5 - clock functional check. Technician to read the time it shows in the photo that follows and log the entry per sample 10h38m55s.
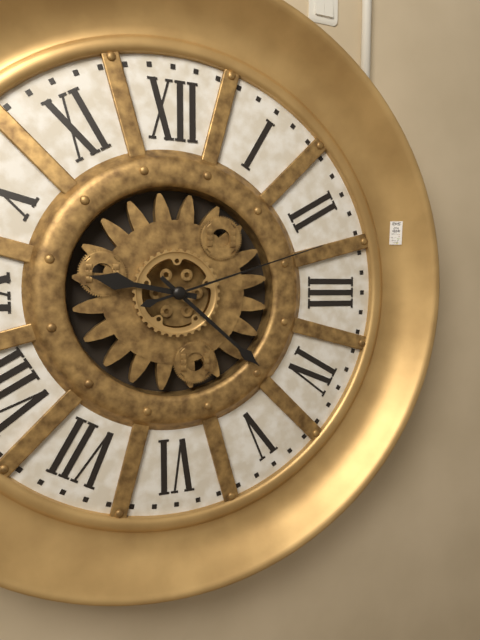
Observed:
9h22m12s
